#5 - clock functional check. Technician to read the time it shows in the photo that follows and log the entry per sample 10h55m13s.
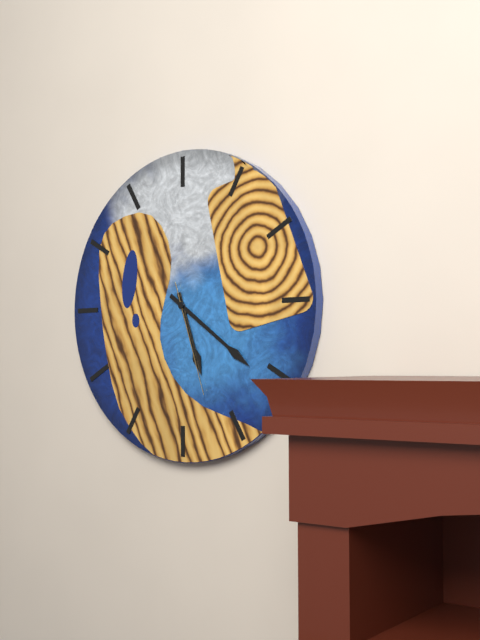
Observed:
5h21m27s
